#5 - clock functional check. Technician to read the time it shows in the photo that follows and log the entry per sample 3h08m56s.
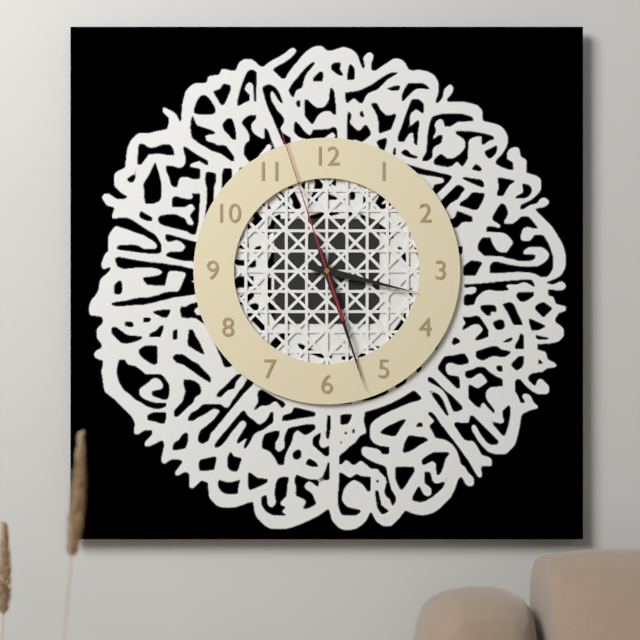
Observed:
3h27m57s
